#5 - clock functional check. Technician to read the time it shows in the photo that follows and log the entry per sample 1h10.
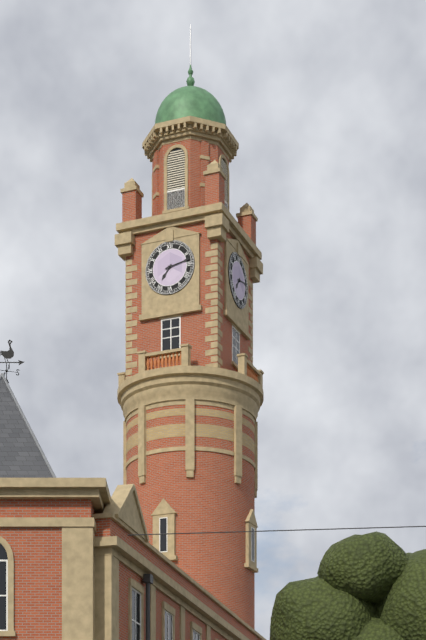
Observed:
7h13
